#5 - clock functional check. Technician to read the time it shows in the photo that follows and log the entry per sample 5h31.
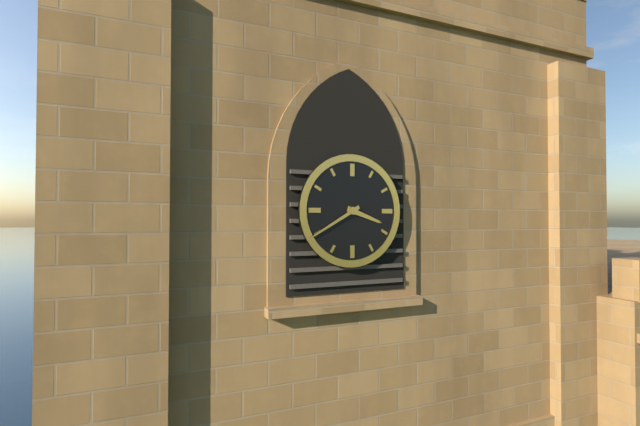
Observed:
3h40
